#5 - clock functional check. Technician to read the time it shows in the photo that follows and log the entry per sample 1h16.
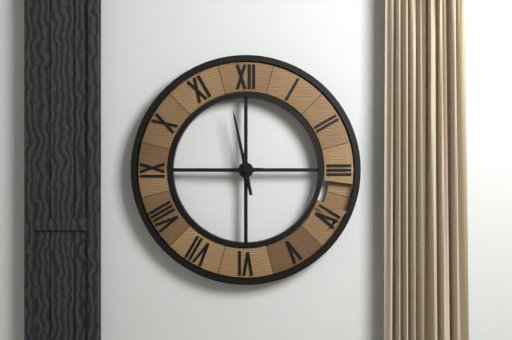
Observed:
8h58
